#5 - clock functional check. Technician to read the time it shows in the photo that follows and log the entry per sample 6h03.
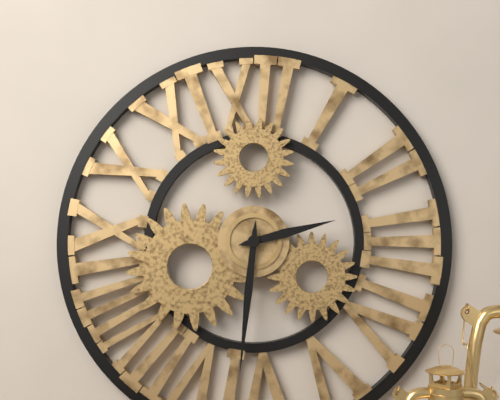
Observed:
2h31
